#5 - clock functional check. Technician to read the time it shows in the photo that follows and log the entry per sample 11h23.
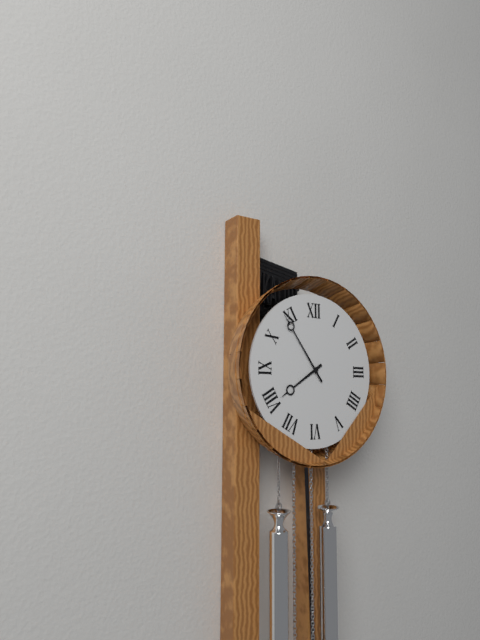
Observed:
7h54
